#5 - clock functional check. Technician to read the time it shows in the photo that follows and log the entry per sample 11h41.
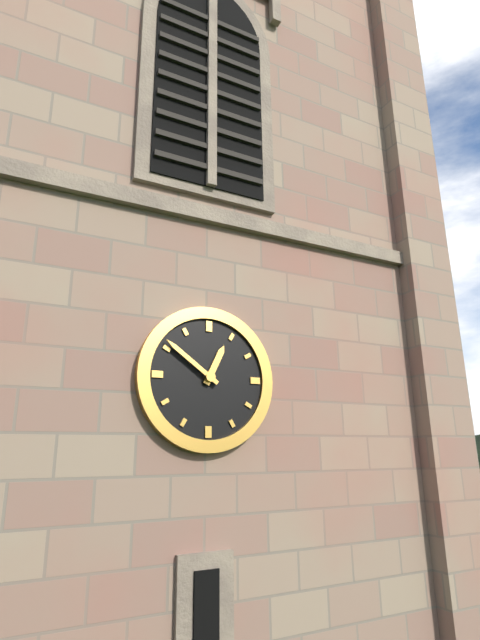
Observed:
12h51
